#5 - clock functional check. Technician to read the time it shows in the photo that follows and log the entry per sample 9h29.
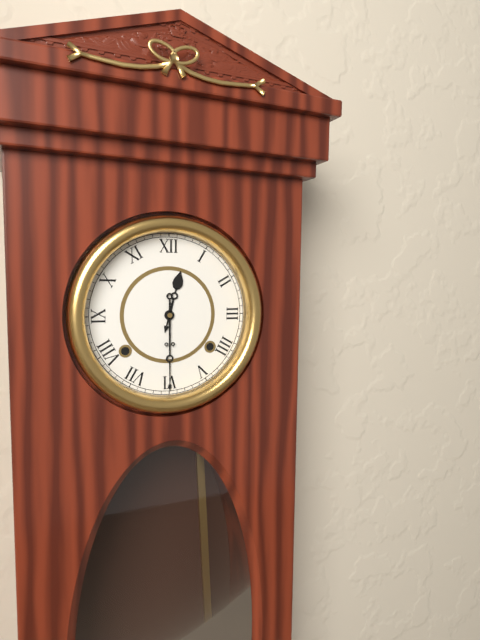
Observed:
12h30
